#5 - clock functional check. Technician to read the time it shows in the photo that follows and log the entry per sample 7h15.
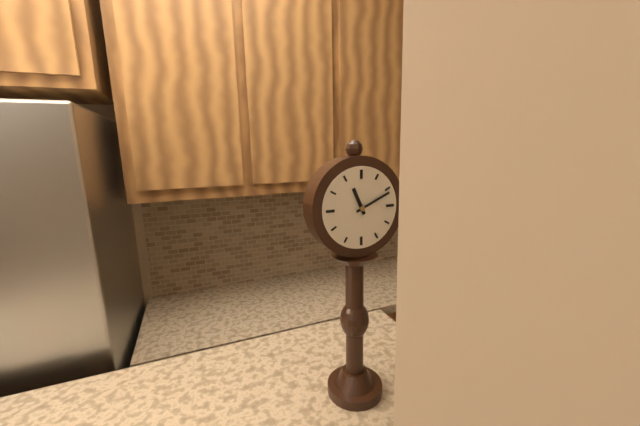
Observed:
11h11
